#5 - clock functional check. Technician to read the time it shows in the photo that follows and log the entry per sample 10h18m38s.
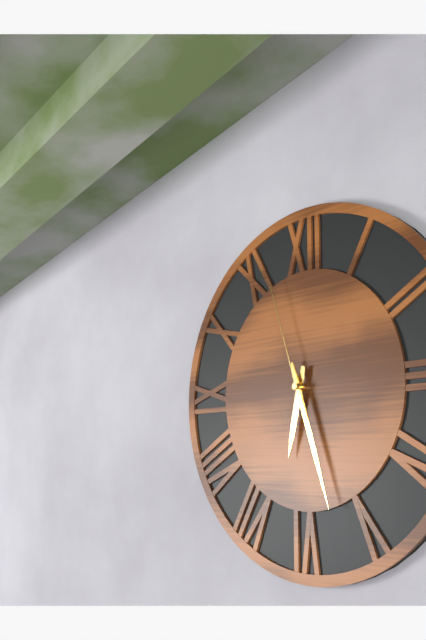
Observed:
6h27m57s
